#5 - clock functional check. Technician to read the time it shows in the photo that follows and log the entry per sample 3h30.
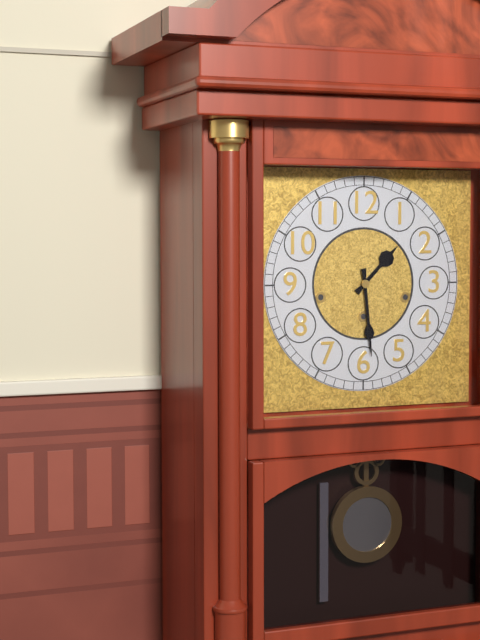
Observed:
1h29
